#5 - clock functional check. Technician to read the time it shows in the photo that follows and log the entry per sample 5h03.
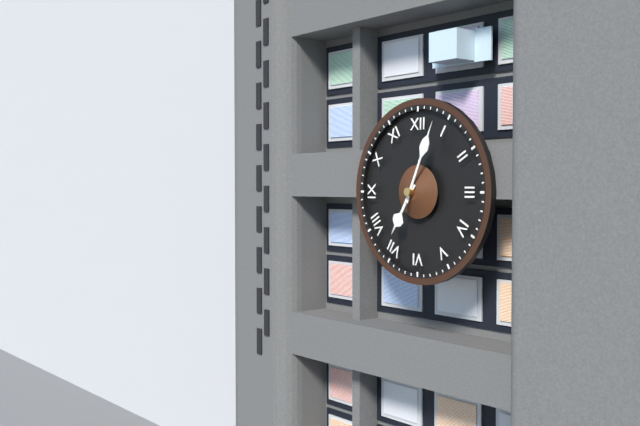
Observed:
7h04
